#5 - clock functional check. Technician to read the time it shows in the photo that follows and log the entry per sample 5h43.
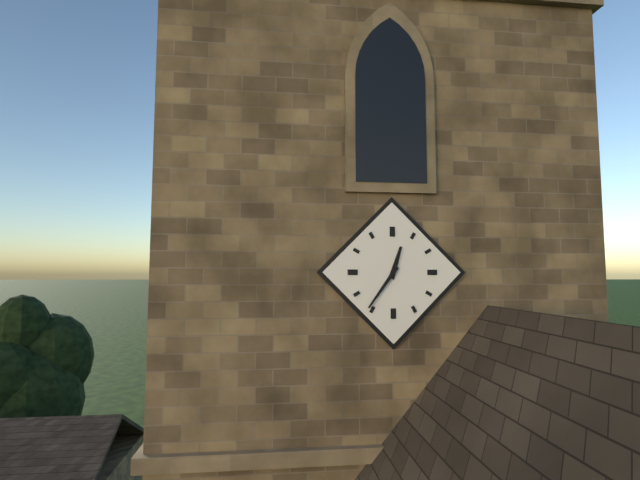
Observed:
12h36
